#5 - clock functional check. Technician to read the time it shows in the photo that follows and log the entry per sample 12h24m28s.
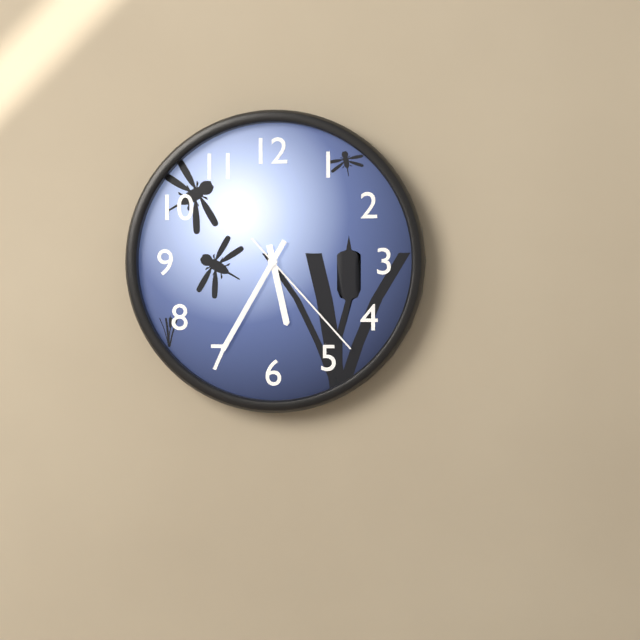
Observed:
5h35m23s
